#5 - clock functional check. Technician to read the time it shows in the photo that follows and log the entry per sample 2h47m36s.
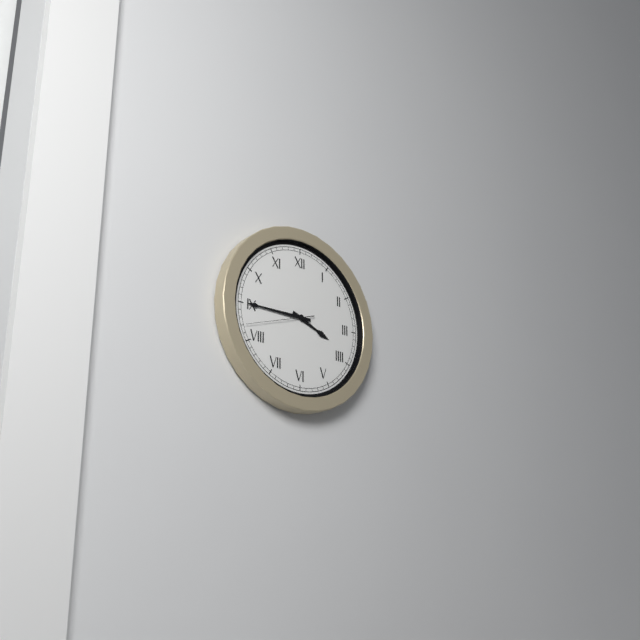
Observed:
3h45m42s
